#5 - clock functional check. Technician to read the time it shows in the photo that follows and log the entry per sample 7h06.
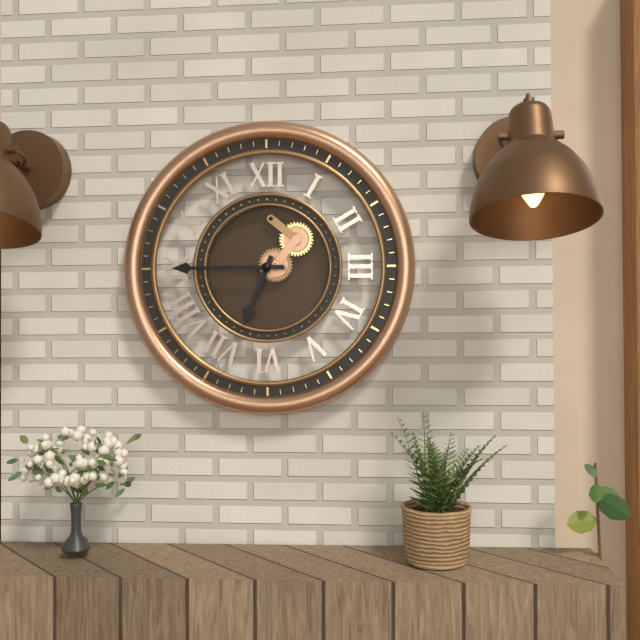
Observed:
6h45
